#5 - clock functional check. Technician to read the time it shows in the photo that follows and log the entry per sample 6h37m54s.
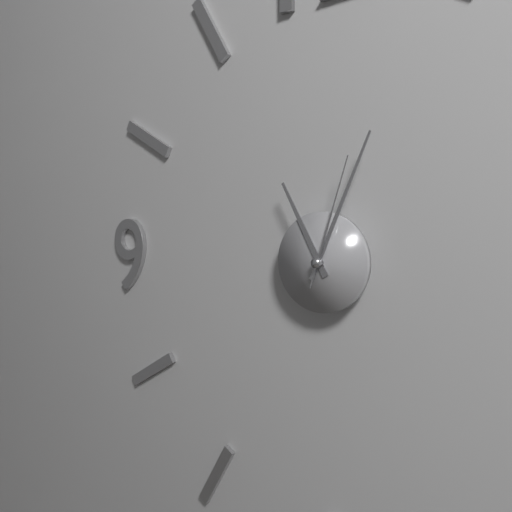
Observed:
11h04m03s
